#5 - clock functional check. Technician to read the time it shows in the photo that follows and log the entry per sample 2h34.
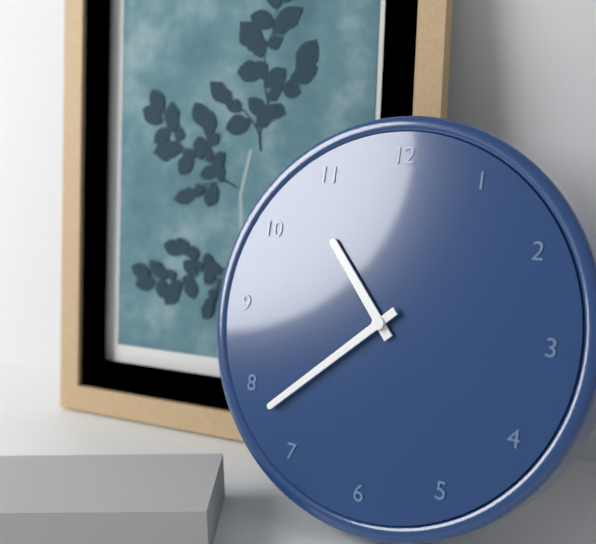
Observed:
10h38
